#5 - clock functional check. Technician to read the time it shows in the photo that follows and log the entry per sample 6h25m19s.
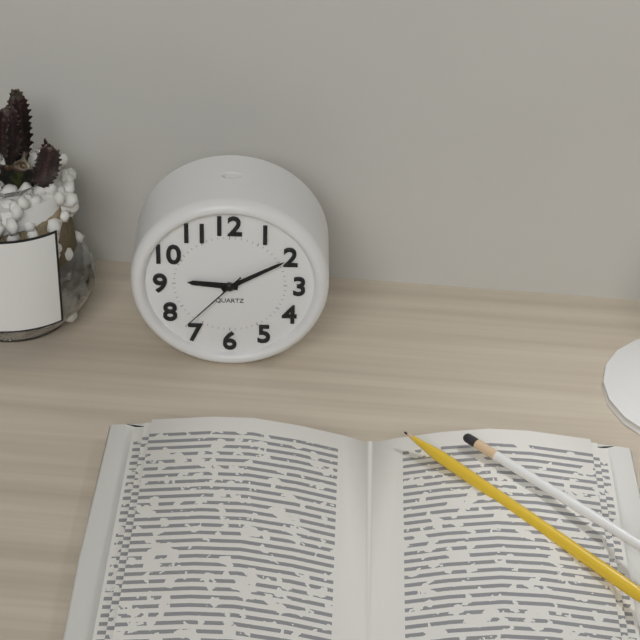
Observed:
9h10m37s
